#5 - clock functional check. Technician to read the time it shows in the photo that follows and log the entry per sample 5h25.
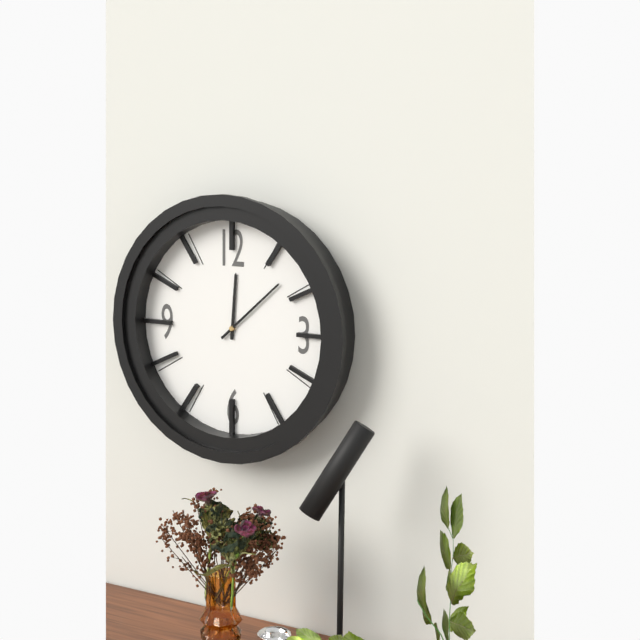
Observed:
12h08
